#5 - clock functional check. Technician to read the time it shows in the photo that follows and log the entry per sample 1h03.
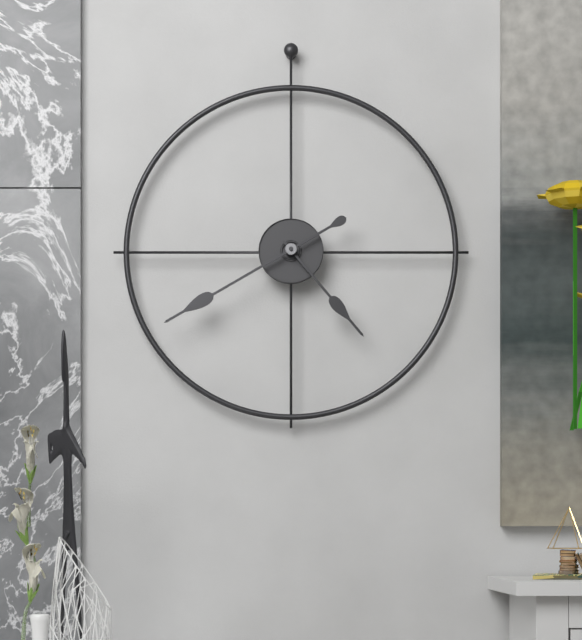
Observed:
4h40
